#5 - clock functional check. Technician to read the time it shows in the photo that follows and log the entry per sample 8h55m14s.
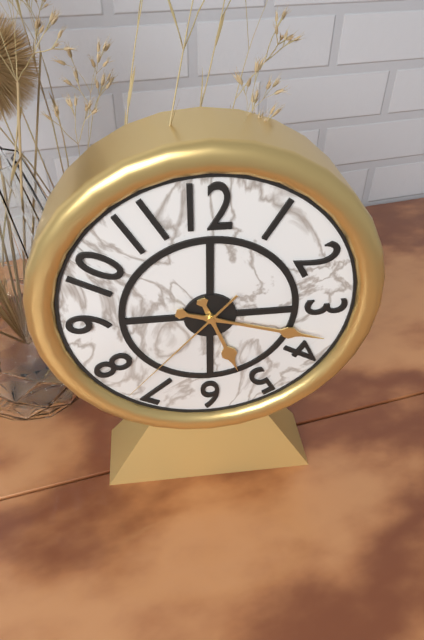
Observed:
5h18m37s
